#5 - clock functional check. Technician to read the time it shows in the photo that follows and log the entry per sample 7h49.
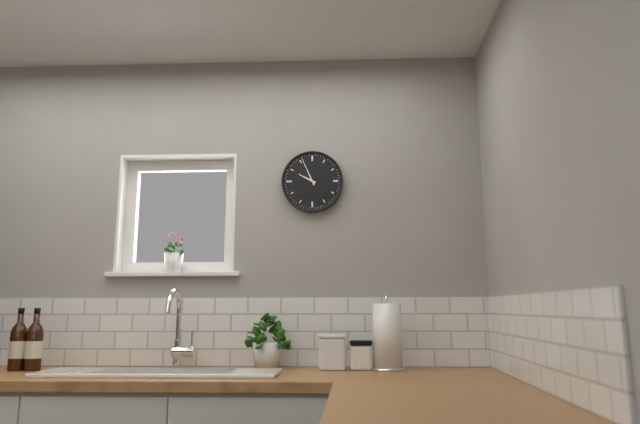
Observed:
9h56
